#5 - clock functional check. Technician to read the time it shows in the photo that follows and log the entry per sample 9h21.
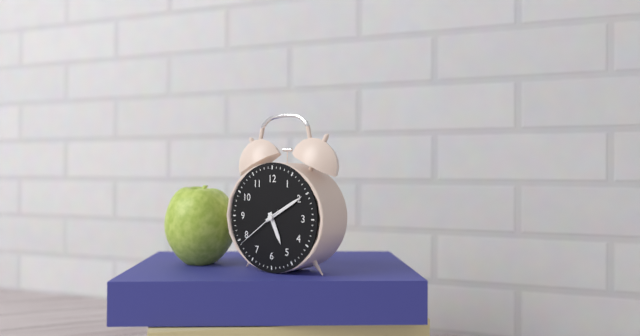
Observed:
5h10
